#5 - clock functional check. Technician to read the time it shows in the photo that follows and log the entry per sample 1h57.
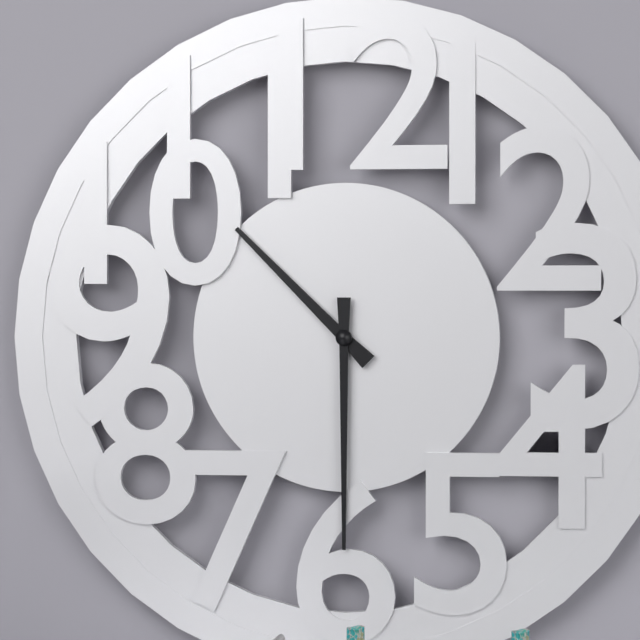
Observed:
10h30
